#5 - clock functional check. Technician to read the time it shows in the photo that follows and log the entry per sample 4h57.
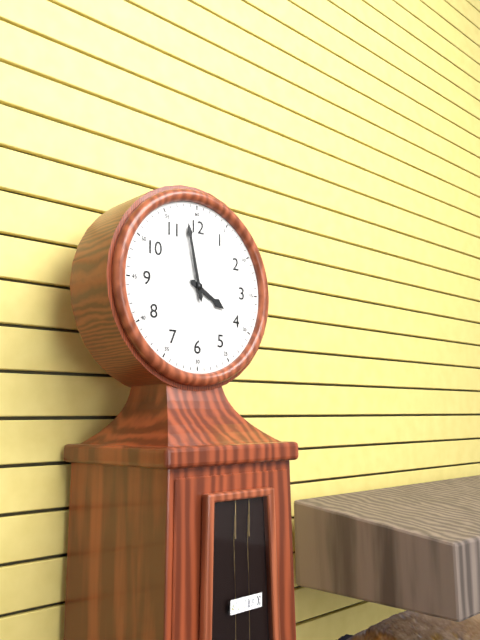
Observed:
3h58
